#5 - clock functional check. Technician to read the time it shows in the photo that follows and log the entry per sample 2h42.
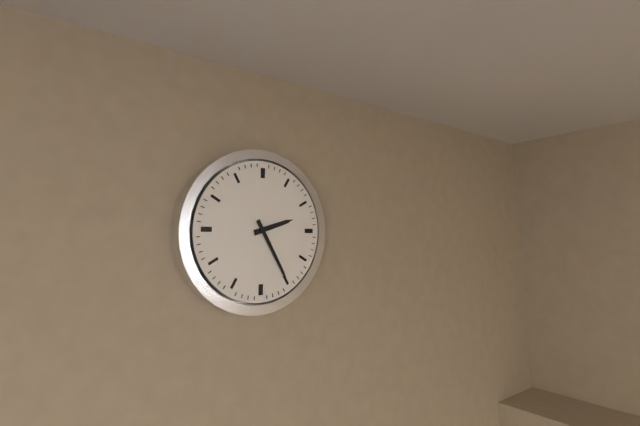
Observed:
2h25
